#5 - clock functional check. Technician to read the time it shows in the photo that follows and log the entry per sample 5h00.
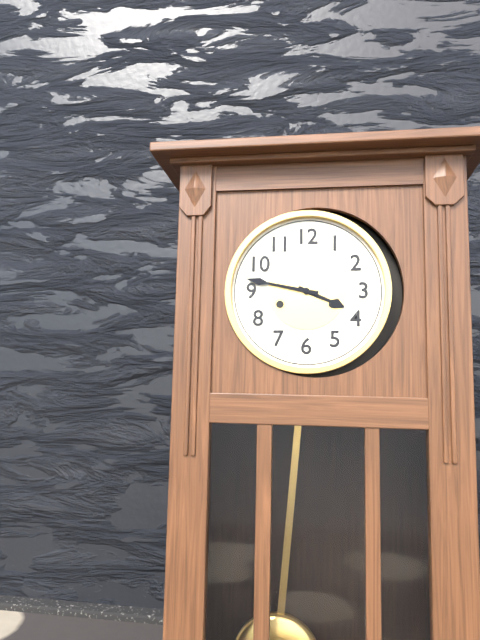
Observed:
3h47
